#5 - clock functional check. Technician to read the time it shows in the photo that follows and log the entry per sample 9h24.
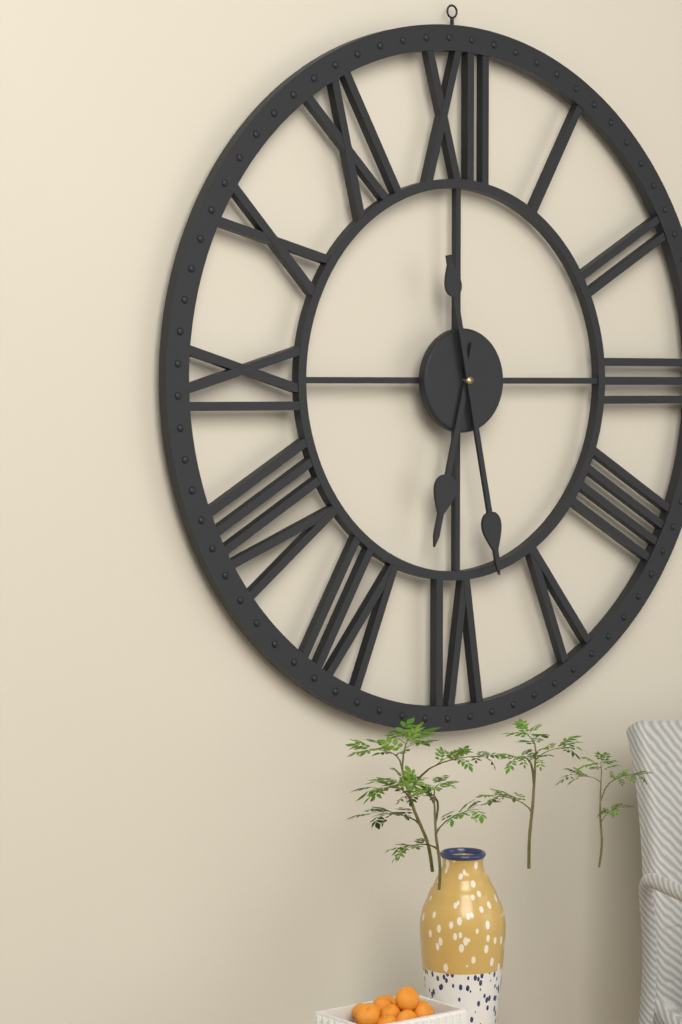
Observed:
6h28
